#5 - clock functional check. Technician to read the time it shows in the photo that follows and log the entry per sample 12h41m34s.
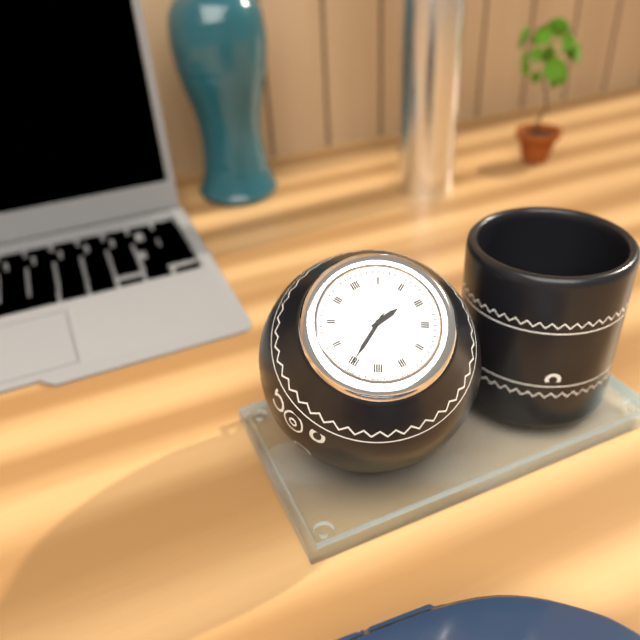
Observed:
2h40m40s
